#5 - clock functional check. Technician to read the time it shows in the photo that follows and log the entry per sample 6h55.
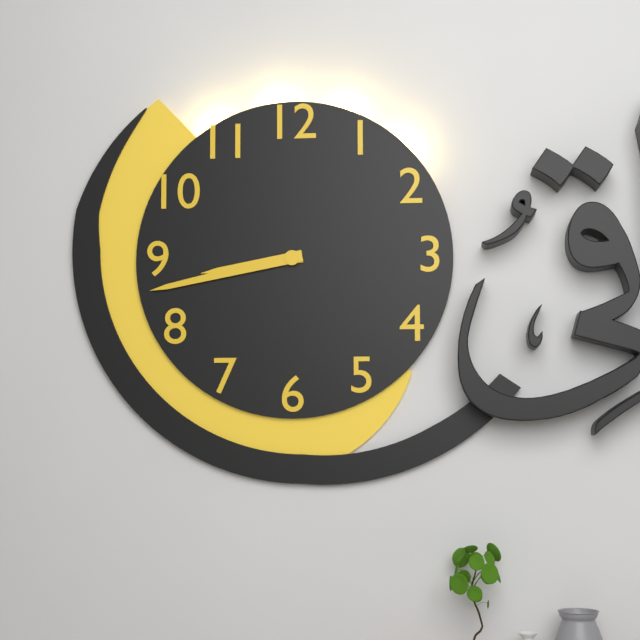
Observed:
8h43
